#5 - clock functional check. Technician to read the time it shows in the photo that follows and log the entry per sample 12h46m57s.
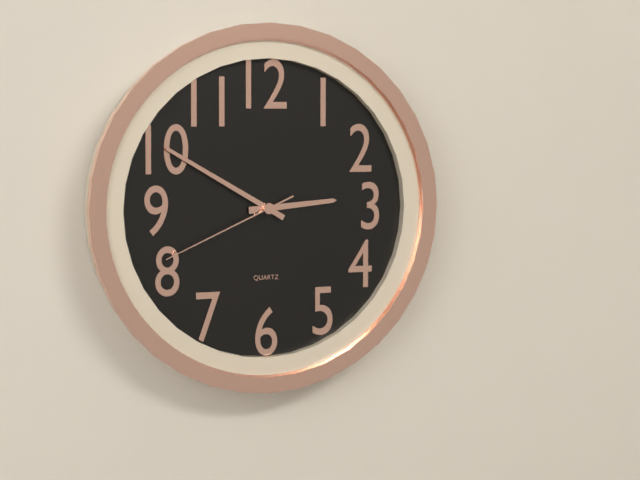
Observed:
2h50m41s
